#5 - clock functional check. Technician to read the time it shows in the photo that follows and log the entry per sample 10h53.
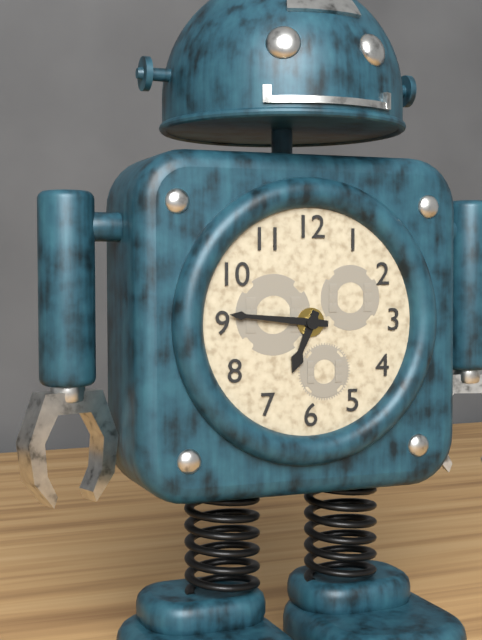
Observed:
6h46
